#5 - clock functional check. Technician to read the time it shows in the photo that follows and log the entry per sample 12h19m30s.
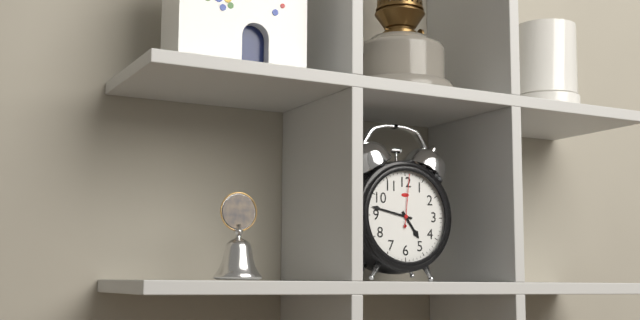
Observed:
4h47m01s
